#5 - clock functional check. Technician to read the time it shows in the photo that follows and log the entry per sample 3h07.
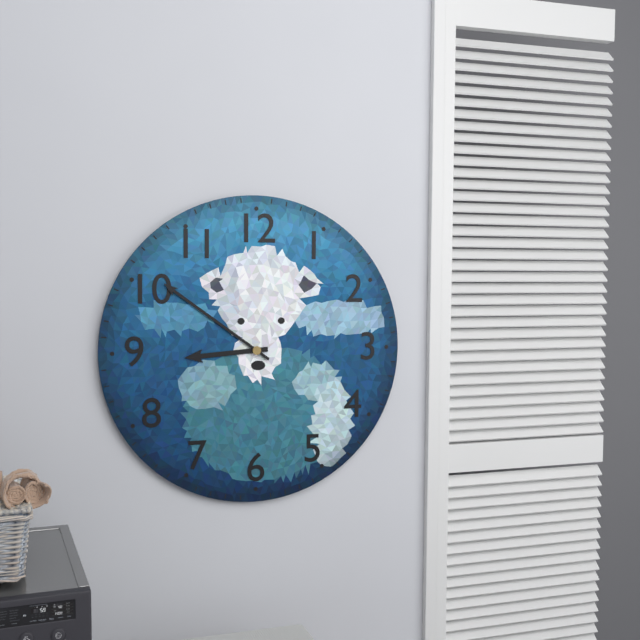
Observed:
8h51
